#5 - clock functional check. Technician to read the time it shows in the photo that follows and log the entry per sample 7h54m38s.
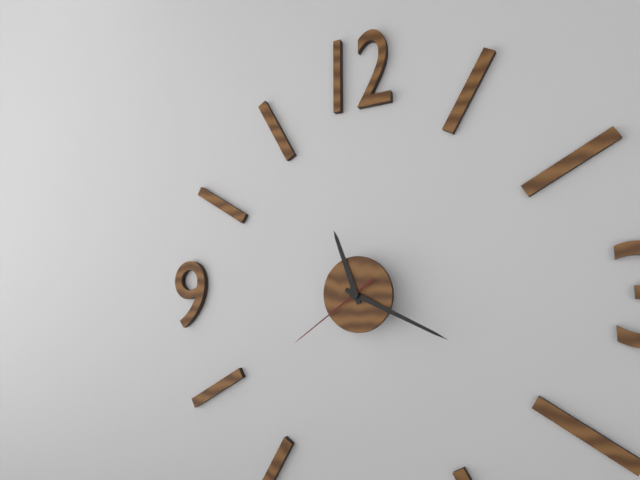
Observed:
11h19m39s
